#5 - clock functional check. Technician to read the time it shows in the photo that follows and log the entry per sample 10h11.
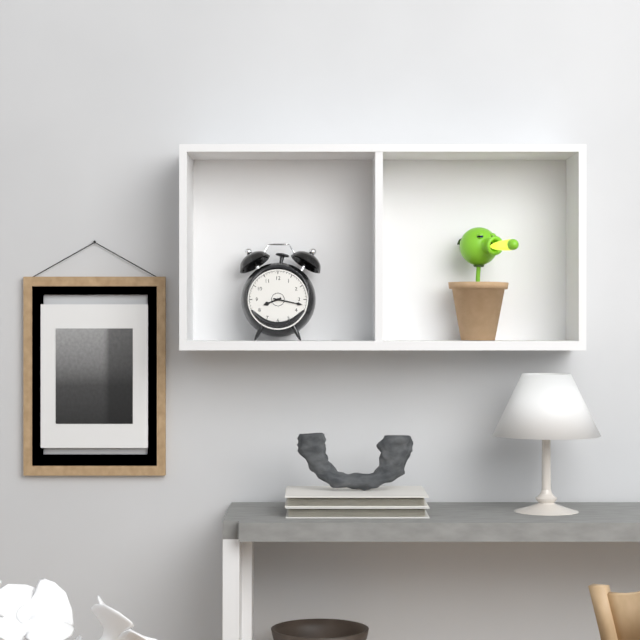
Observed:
8h17
